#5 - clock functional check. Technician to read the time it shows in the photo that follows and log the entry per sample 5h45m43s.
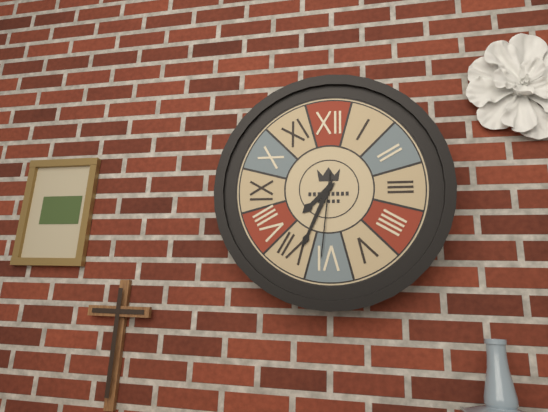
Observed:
7h34m31s
